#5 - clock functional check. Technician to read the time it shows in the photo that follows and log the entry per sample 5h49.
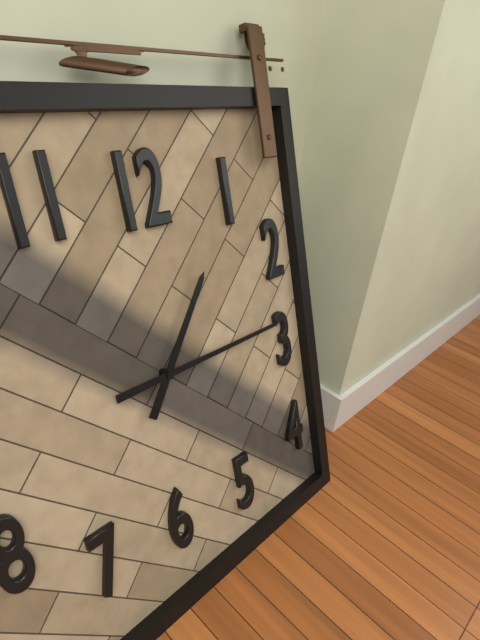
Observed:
1h15
